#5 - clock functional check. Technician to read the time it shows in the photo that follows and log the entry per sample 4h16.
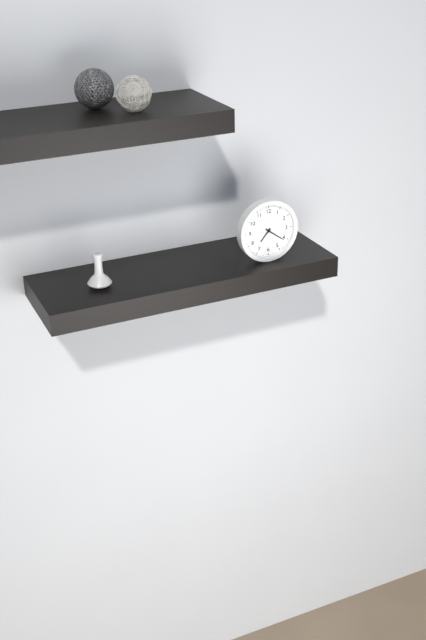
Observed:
7h21
